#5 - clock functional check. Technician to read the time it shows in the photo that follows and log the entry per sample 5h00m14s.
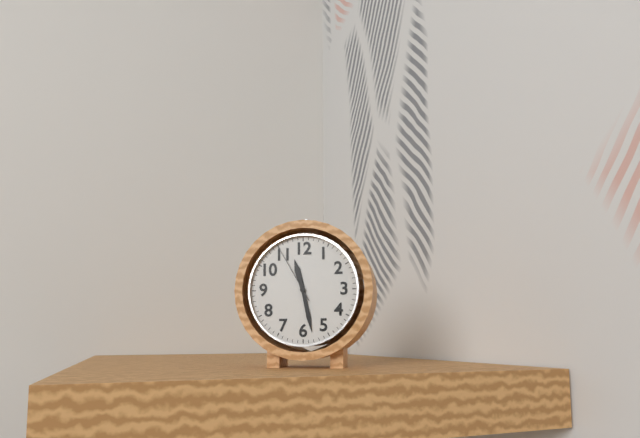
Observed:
11h28m55s
